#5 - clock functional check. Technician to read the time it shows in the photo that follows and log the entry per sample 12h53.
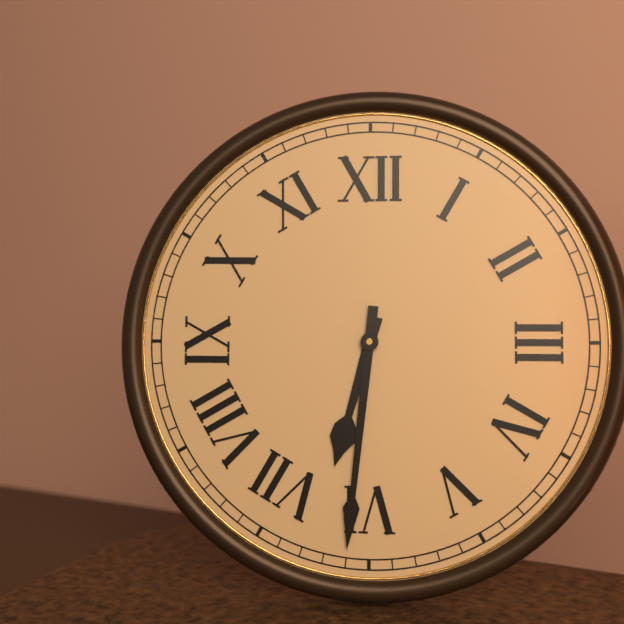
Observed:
6h31
